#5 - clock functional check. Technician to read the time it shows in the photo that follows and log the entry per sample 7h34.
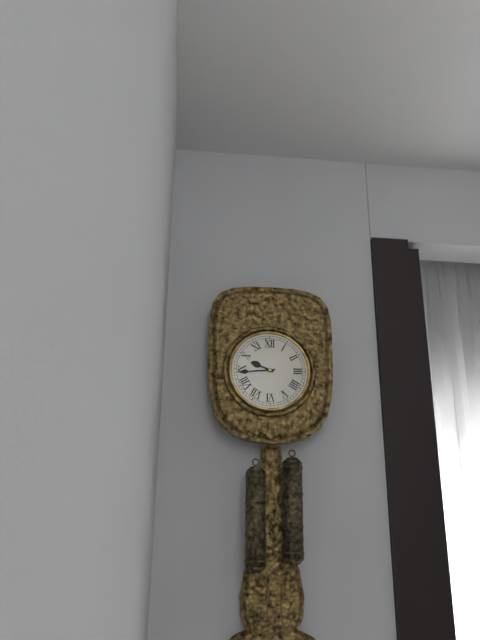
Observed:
9h44
